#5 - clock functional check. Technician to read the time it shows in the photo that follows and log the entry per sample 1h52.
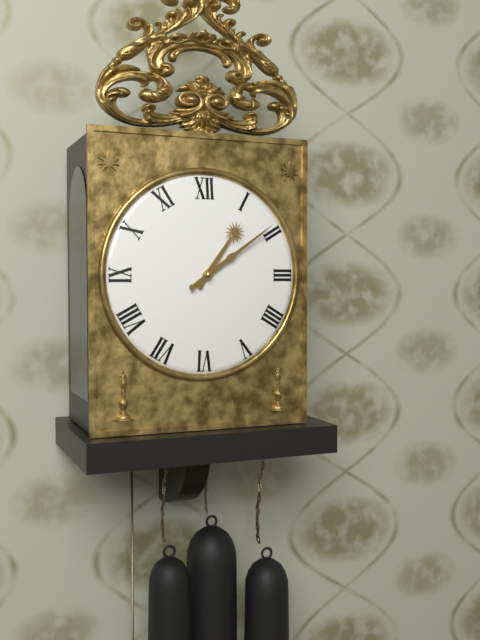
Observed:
1h09
